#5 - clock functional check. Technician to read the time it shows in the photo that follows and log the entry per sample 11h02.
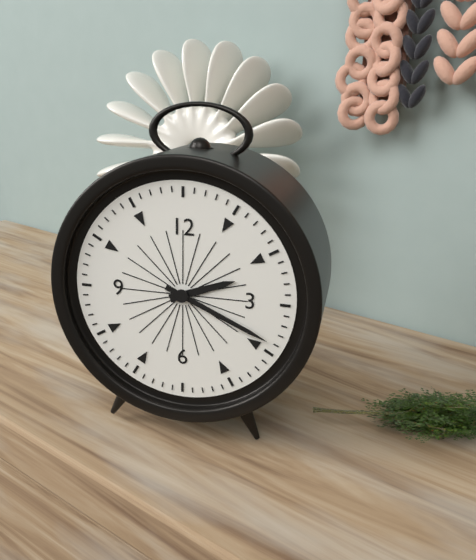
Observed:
2h19
